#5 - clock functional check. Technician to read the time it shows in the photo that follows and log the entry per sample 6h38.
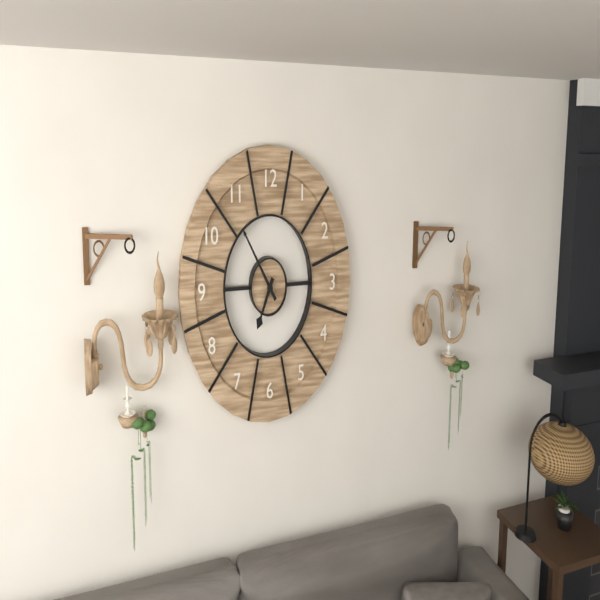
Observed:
6h54
